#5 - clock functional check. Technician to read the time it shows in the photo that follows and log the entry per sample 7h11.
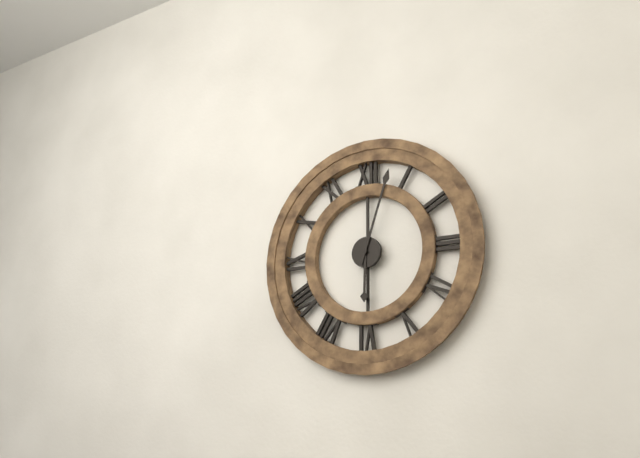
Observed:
6h03
